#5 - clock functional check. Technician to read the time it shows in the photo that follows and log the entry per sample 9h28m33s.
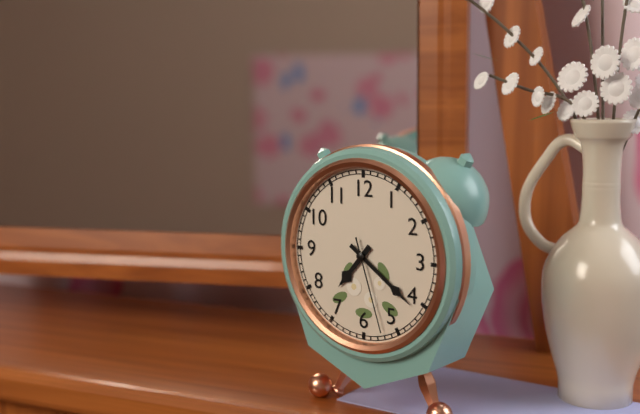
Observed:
7h21m27s
